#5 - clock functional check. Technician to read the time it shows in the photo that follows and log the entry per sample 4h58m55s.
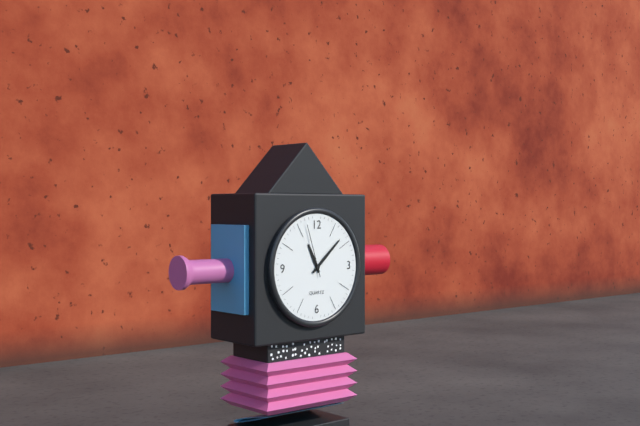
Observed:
11h08m57s
